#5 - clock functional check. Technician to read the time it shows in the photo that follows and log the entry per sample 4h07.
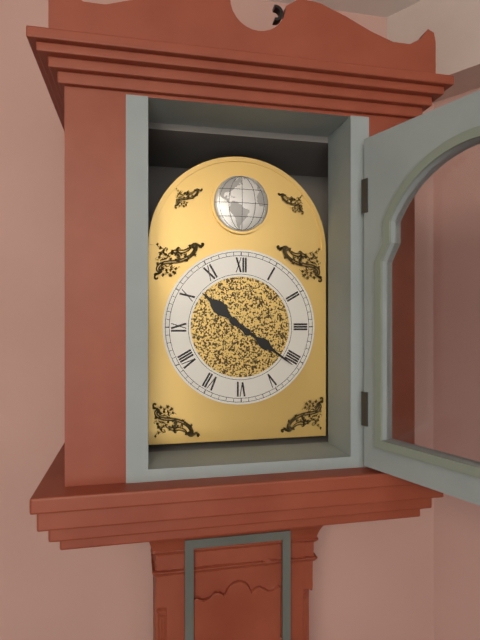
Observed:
10h21
